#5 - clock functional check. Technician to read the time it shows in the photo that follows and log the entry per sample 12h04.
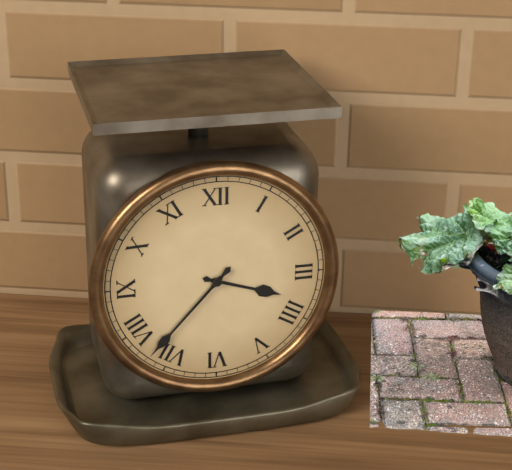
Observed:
3h37
